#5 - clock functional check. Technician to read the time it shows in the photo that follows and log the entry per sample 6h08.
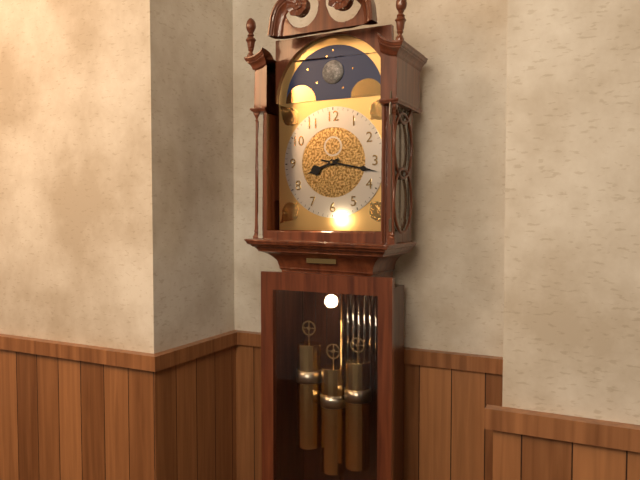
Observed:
8h17
